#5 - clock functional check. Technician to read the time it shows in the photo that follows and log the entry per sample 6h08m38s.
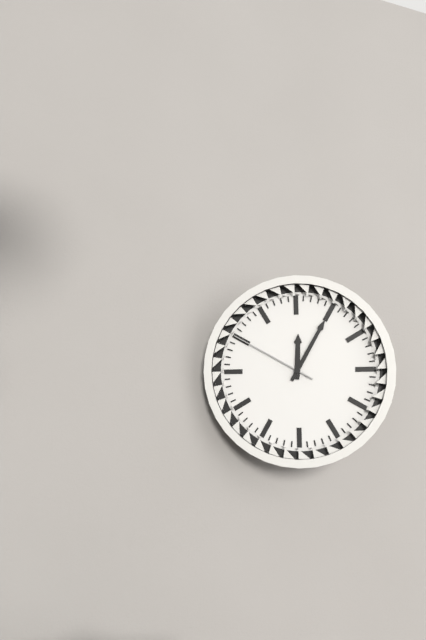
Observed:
12h05m50s
